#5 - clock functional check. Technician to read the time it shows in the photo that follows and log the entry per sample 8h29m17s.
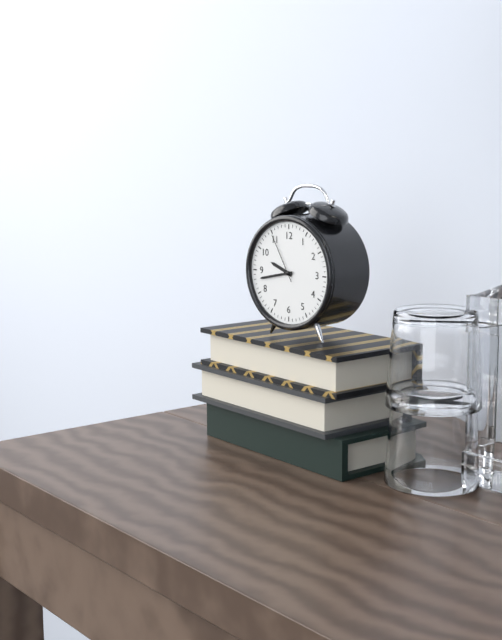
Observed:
9h43m55s
